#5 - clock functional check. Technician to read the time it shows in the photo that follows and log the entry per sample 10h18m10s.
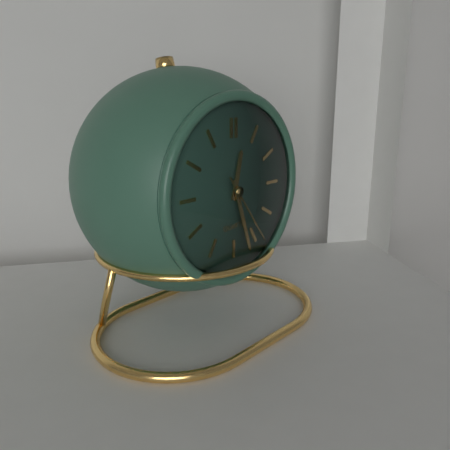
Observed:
12h27m24s
